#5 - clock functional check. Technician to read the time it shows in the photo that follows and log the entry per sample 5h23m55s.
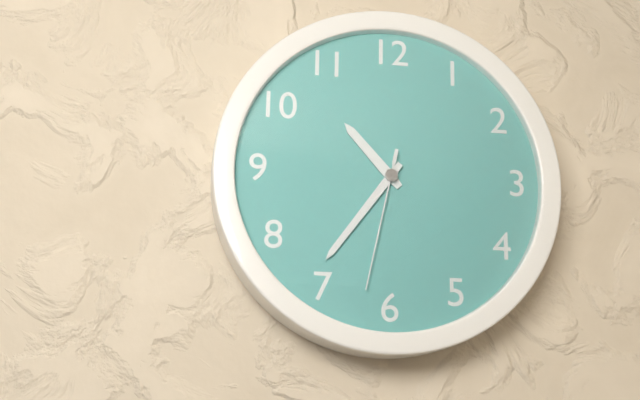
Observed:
10h36m32s
